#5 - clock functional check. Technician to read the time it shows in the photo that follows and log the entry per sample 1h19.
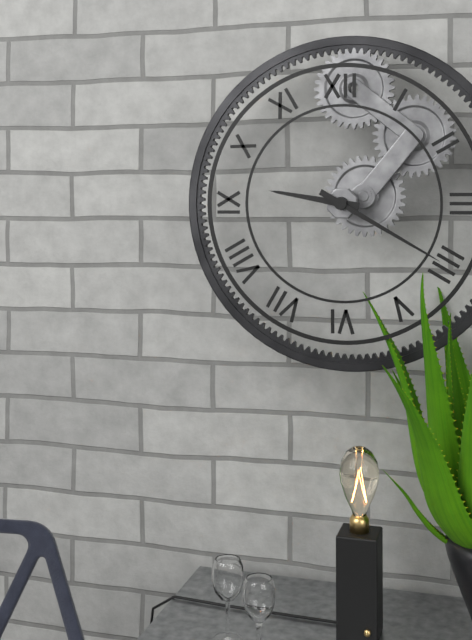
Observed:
9h20
